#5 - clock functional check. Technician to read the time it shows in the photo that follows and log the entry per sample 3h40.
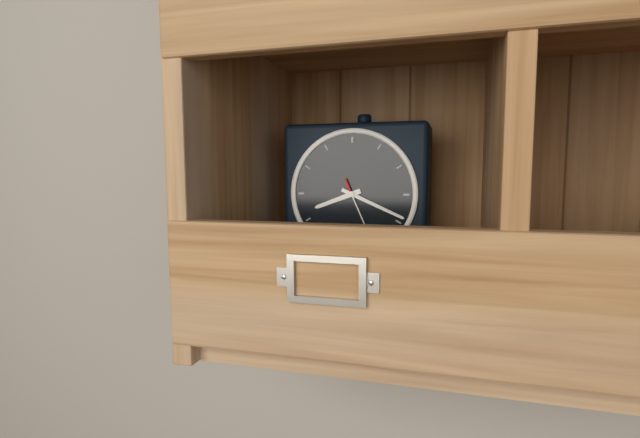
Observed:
8h19
